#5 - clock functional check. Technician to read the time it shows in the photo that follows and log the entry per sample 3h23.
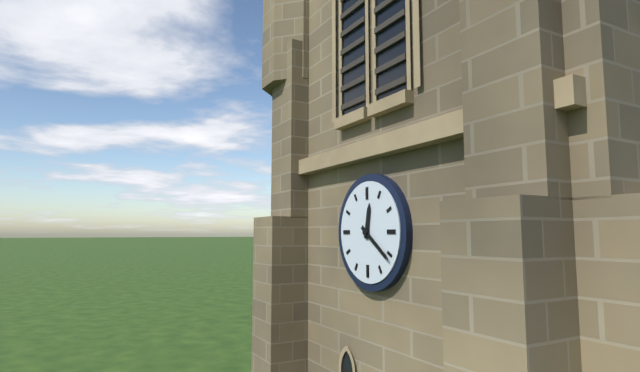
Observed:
12h21
